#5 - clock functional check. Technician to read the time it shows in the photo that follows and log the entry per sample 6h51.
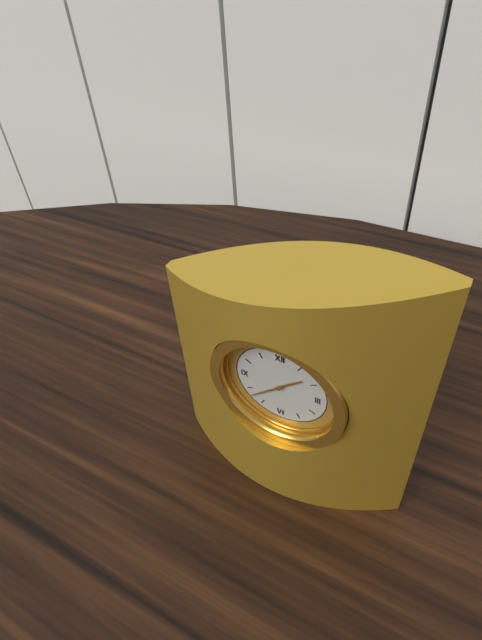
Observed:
1h38
